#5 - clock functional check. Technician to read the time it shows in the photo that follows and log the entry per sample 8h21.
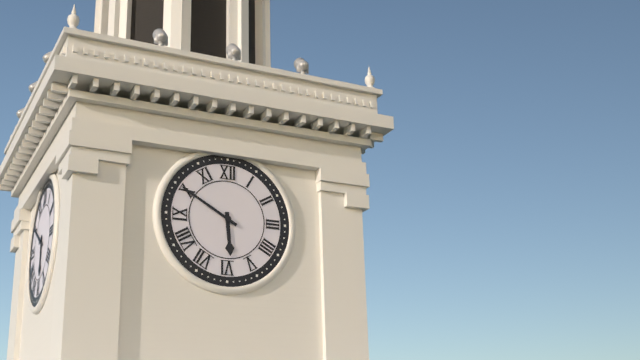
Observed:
5h50
